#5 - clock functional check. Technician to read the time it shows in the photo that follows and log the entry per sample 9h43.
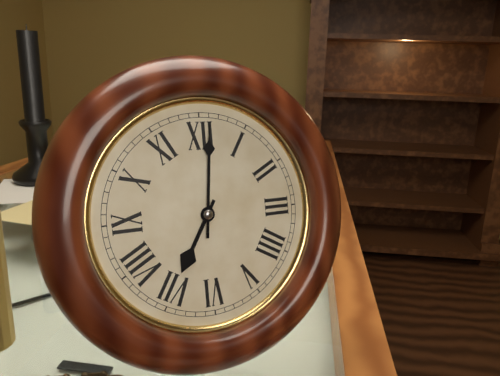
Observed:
7h01
